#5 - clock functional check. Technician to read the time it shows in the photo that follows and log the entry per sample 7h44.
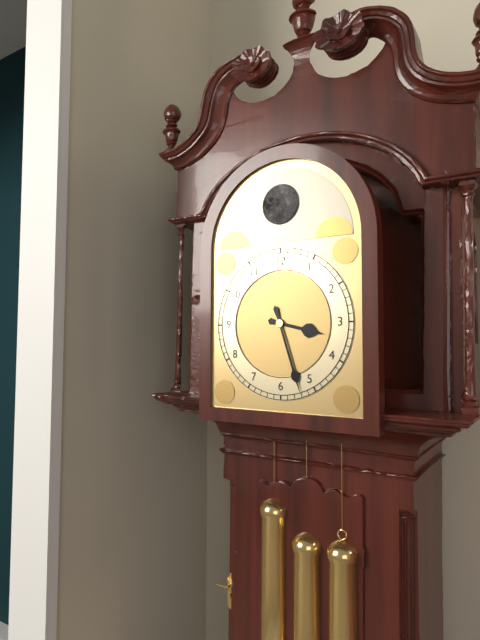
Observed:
3h27
